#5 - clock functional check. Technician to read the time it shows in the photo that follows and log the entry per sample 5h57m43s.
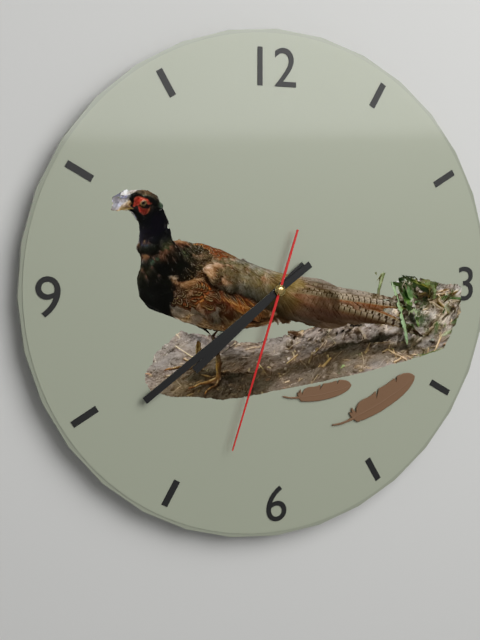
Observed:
7h39m33s
